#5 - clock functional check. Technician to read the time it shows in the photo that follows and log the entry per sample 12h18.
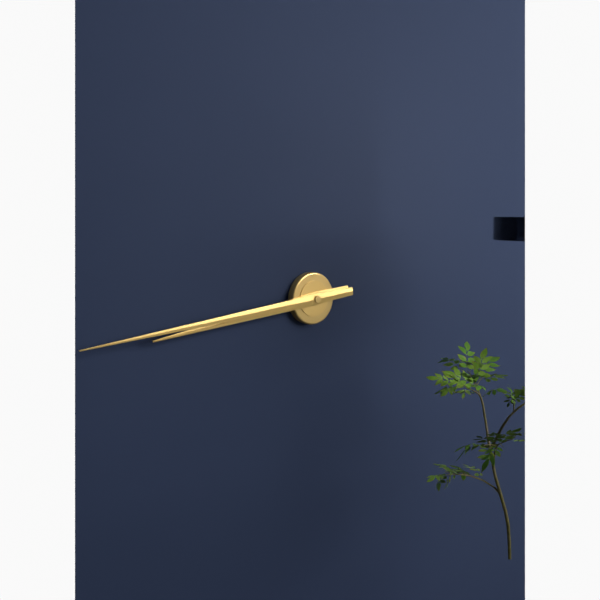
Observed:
8h44
